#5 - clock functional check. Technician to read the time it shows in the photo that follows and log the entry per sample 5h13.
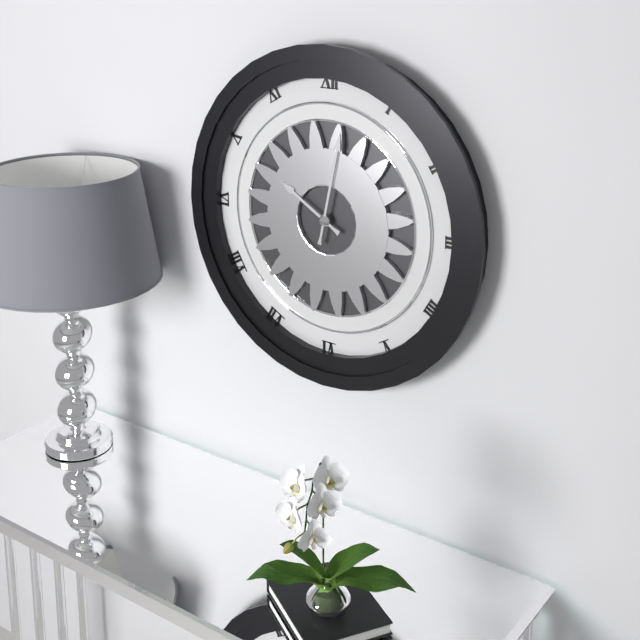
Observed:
10h02
